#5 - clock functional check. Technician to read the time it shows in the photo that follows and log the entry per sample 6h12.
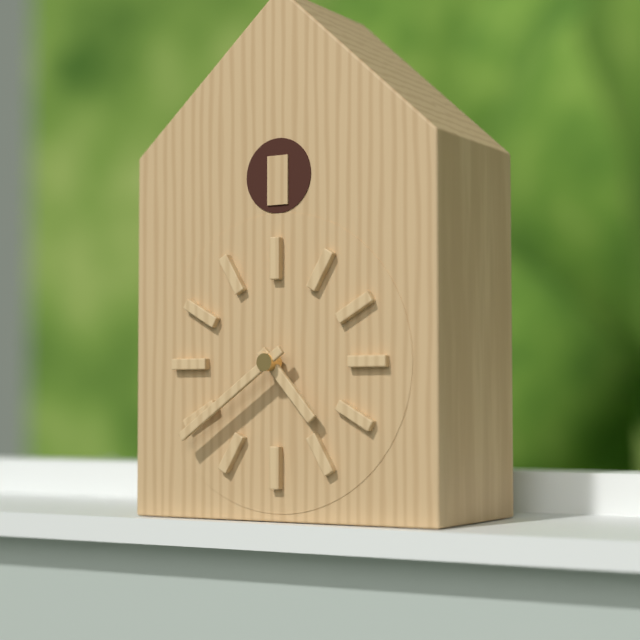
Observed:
4h39
